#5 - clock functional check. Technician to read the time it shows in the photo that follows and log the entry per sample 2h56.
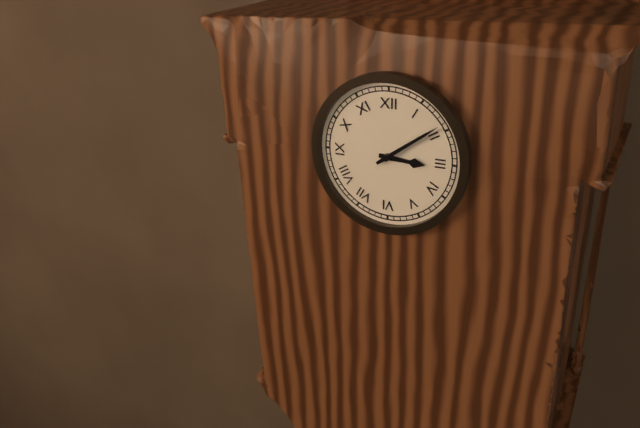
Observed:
3h09
